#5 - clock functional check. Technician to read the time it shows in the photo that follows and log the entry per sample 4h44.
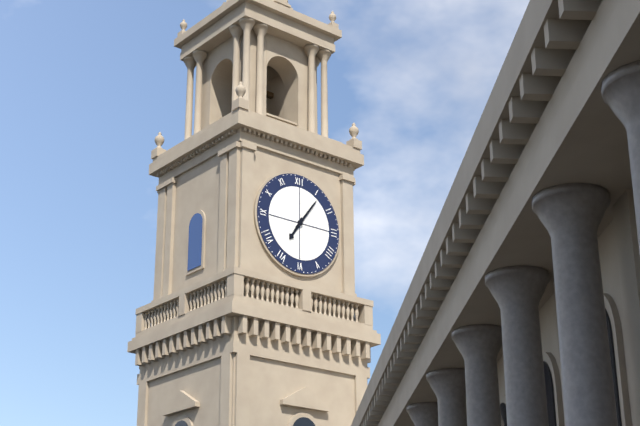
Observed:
7h06
